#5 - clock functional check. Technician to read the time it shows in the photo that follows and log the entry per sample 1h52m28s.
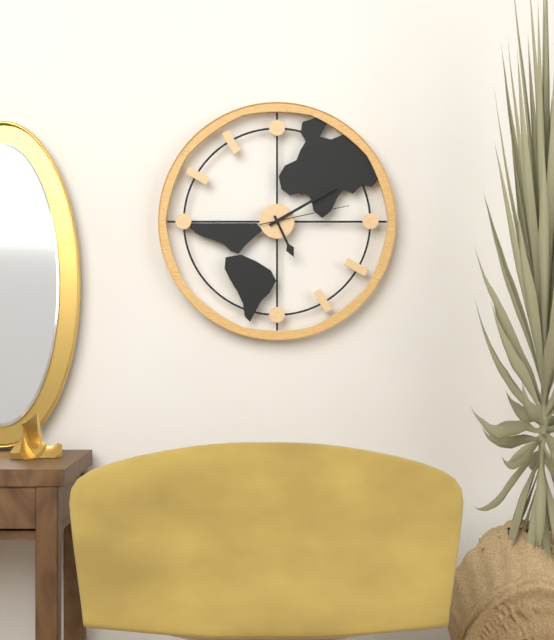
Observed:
5h10m13s
